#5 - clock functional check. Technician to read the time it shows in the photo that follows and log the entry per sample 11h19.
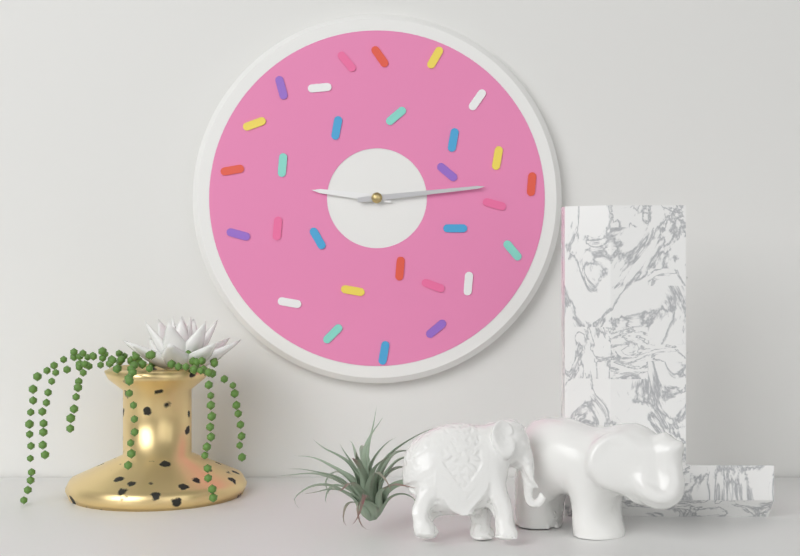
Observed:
9h14
